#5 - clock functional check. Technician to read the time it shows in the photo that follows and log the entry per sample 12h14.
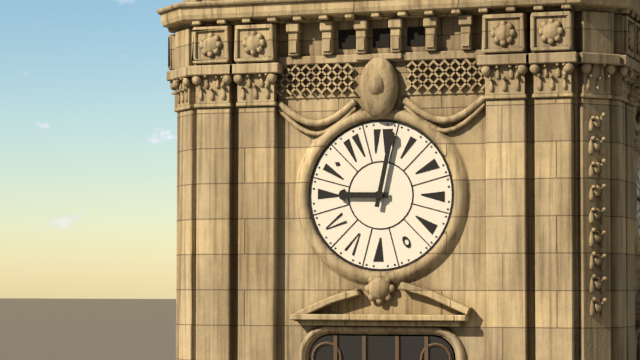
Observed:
9h02
